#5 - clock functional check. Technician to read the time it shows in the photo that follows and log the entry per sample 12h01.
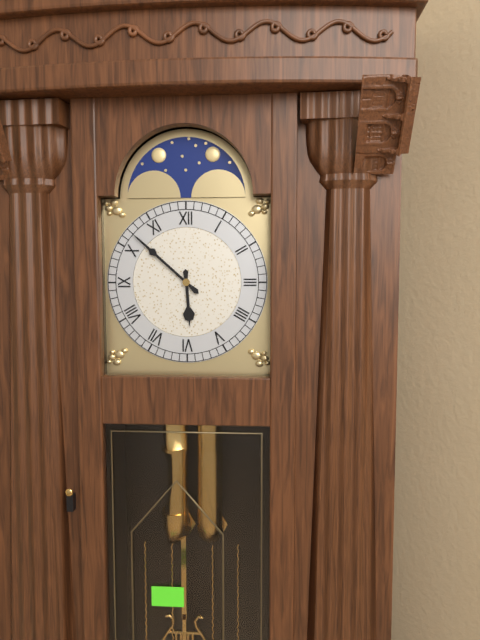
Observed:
5h52
